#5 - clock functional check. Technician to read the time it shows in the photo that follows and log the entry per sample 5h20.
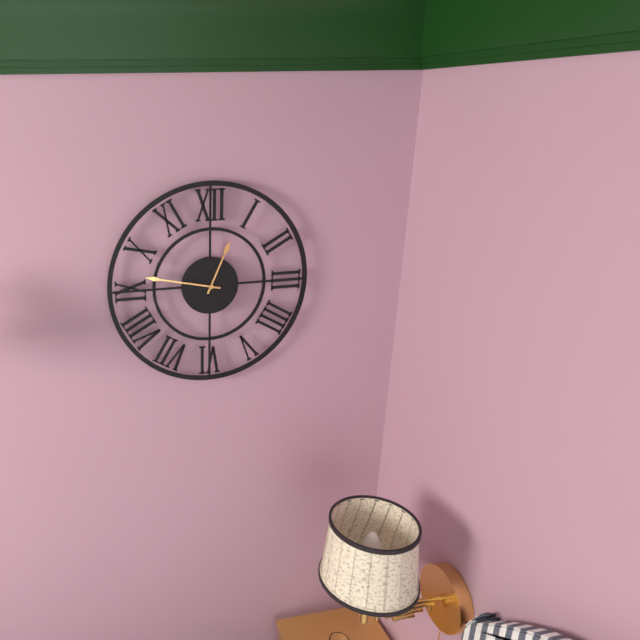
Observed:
12h47
